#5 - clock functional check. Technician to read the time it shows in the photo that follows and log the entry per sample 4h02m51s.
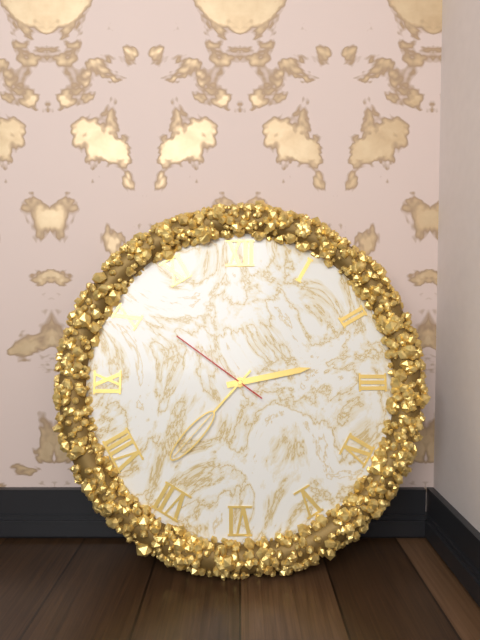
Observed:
2h37m51s
